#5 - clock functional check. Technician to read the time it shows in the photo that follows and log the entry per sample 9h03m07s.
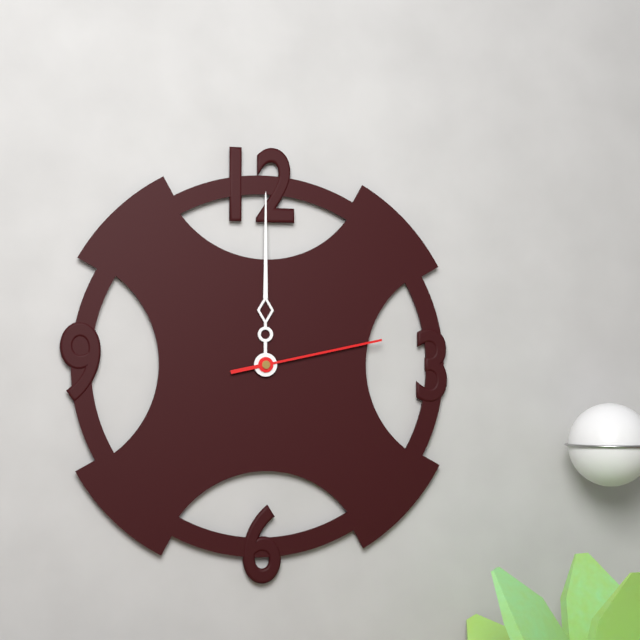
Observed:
12h00m13s
